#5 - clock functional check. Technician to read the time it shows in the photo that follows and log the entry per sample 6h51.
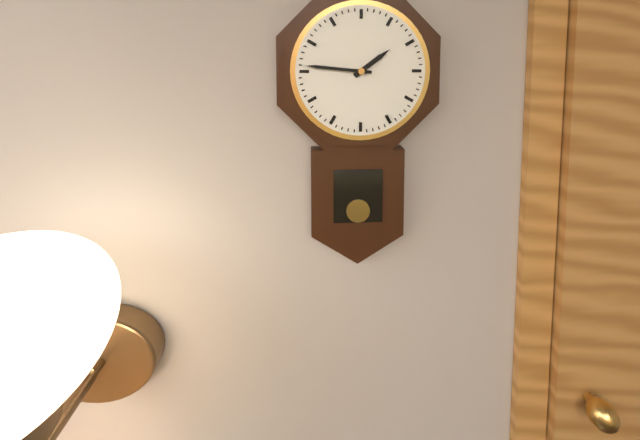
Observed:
1h46
